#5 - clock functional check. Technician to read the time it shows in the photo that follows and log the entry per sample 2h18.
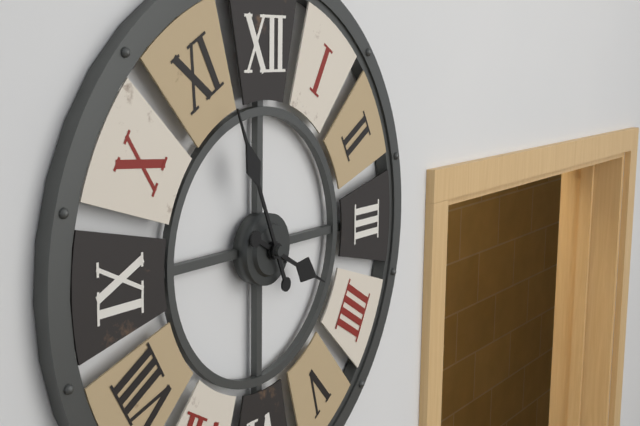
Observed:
3h56
